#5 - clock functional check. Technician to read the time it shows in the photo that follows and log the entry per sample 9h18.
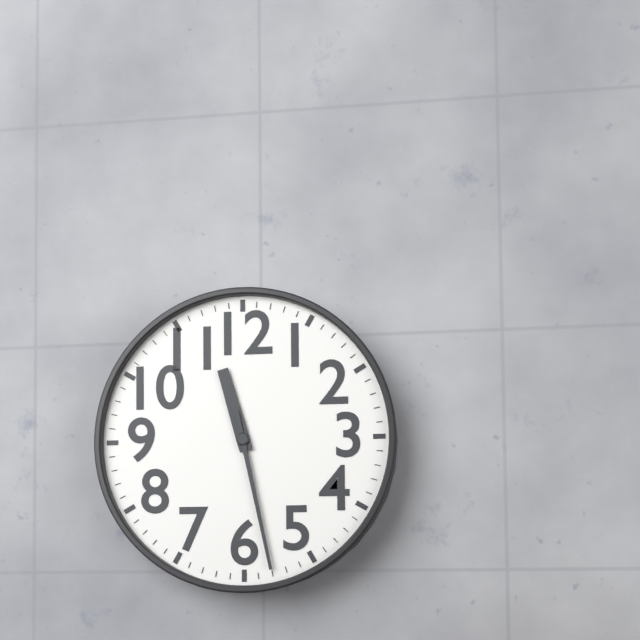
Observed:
11h28
